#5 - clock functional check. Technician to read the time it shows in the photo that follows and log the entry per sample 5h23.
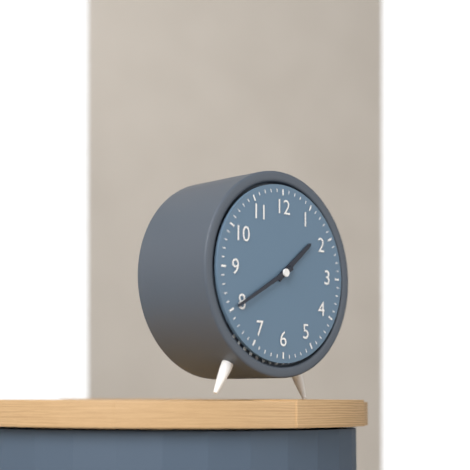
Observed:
1h40
